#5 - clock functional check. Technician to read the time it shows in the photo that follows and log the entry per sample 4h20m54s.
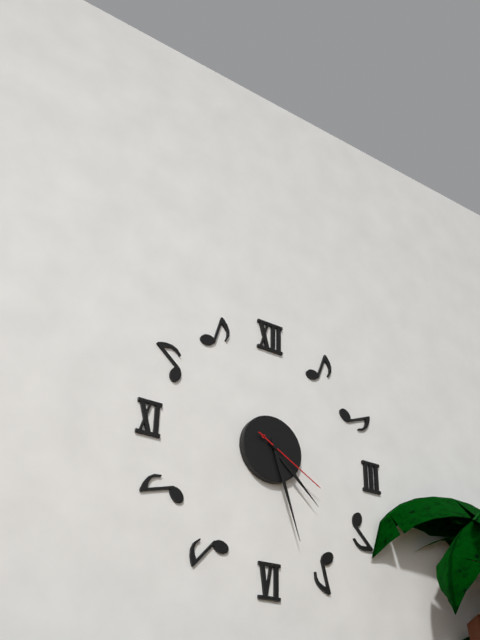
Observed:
4h27m20s
